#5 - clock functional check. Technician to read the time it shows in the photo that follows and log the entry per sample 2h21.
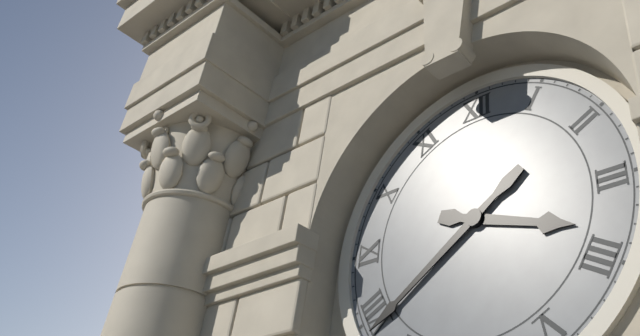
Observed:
3h39
